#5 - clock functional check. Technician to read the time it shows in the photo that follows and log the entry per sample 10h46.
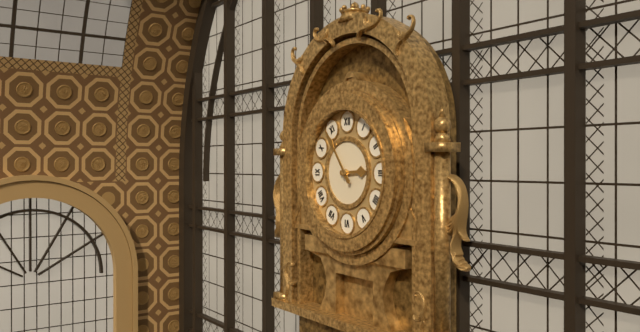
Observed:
2h54
